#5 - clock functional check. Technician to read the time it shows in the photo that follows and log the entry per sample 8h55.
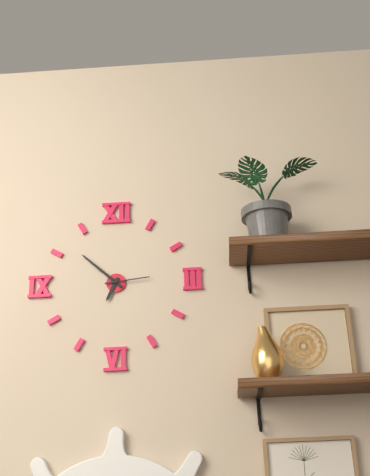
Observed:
6h52
